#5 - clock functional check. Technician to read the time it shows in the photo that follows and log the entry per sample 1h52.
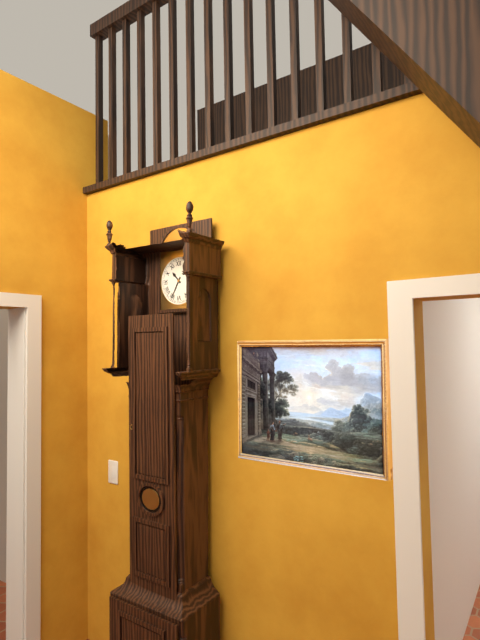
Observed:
10h35
